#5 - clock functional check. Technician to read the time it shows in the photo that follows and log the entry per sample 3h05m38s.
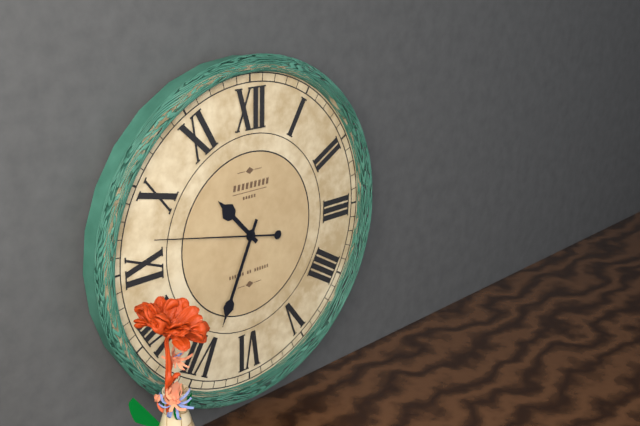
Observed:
10h34m47s
